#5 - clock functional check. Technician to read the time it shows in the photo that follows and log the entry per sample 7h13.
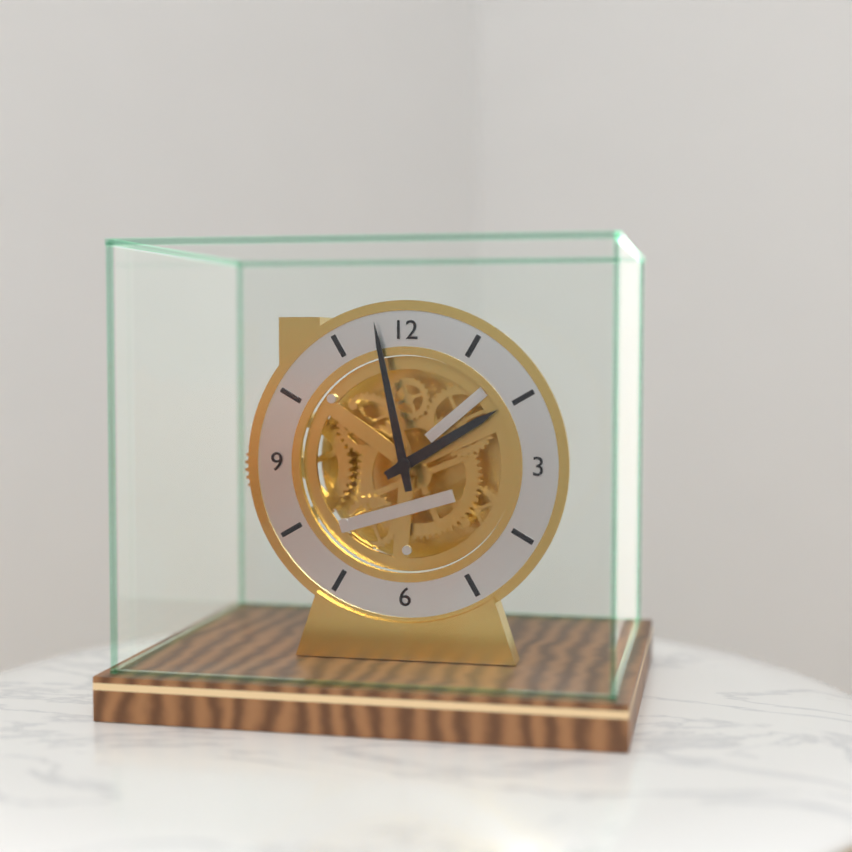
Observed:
1h58
